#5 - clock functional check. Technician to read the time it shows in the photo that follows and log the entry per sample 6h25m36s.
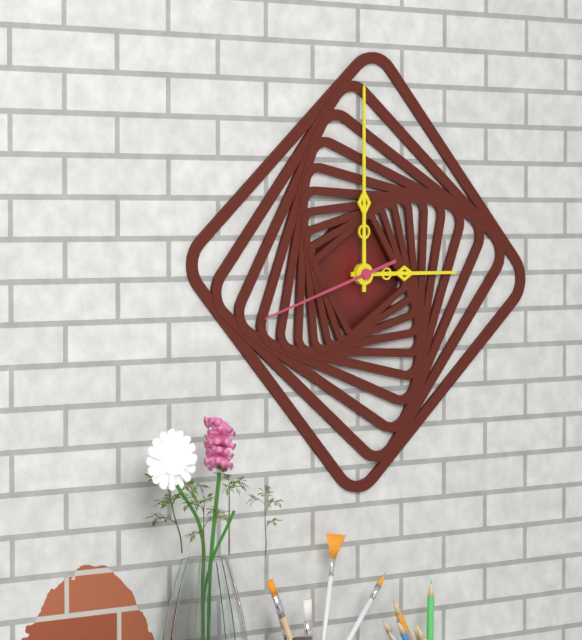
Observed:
3h00m42s
